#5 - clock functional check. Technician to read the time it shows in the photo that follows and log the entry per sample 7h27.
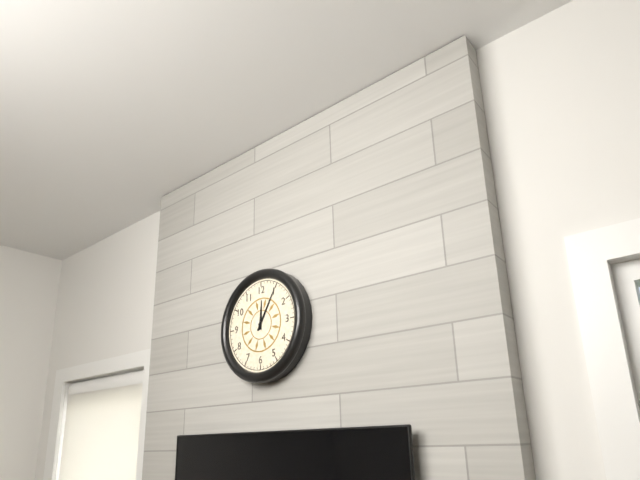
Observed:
12h05
